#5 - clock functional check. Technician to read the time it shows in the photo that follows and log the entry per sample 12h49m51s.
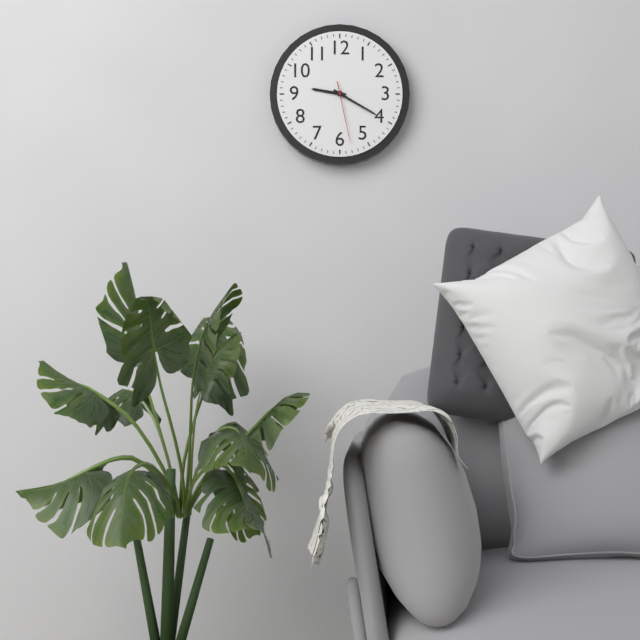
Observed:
9h20m28s
